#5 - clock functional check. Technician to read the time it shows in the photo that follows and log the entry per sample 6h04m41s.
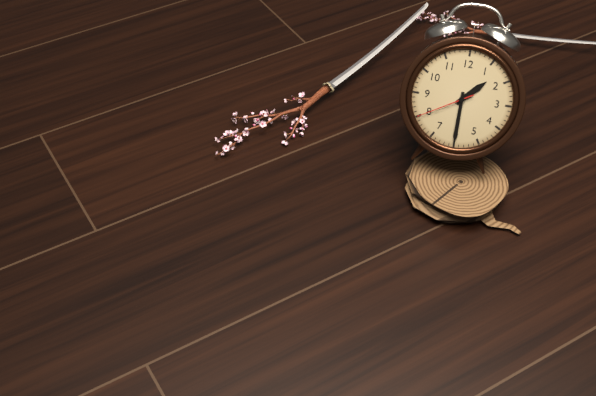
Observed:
1h30m40s
